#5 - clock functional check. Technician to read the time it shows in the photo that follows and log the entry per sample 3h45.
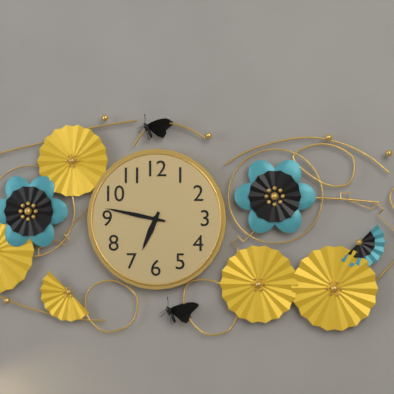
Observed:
6h47
